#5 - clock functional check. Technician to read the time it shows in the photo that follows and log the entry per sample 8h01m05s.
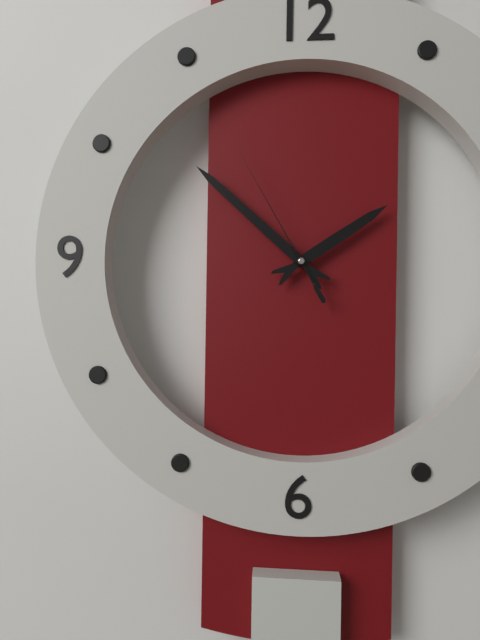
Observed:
1h52m55s
